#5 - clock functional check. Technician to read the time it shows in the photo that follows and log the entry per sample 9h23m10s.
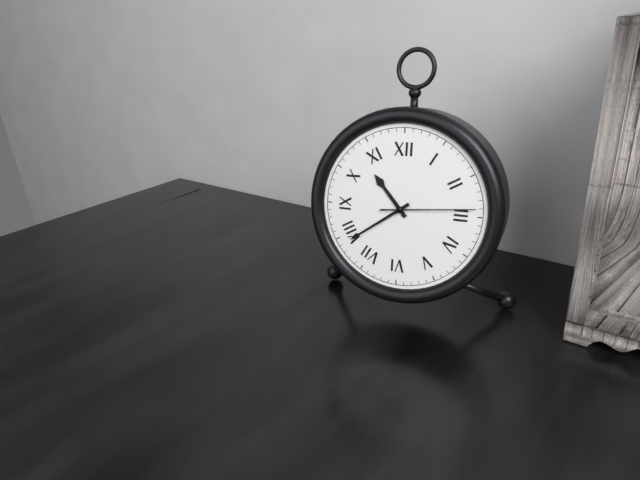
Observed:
10h39m14s
